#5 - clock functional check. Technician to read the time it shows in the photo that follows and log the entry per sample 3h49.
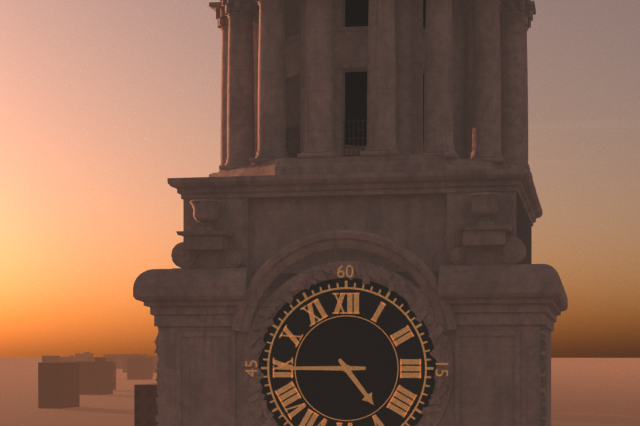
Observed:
4h45
